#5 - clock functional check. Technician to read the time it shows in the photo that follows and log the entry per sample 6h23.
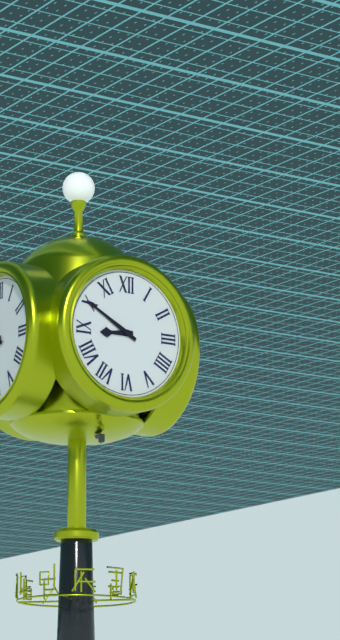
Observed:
8h50
